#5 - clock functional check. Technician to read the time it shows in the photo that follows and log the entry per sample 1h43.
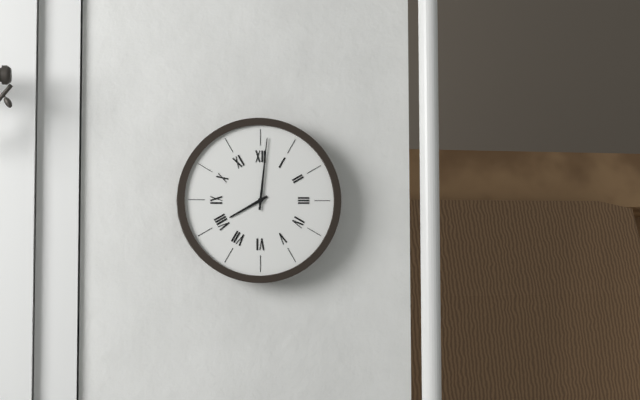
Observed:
8h01
